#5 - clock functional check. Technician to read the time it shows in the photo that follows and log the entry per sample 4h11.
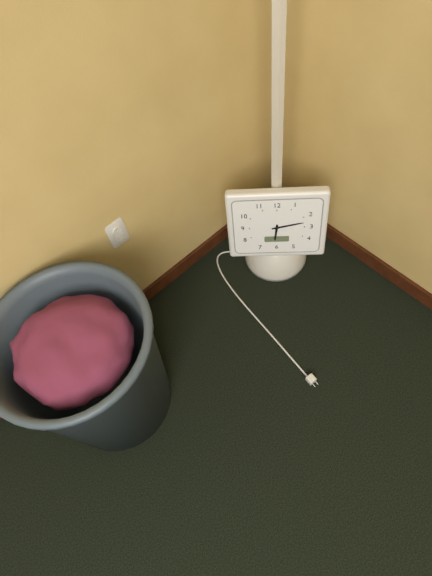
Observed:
6h13
